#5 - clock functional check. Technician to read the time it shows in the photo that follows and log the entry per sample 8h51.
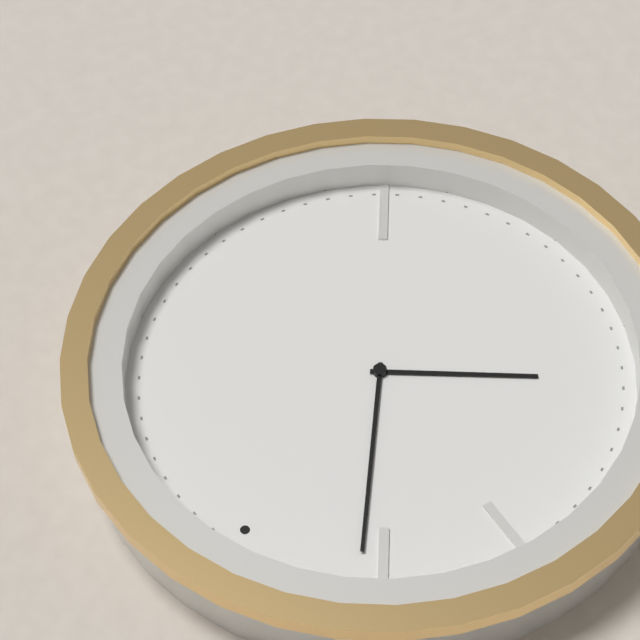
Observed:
7h55
